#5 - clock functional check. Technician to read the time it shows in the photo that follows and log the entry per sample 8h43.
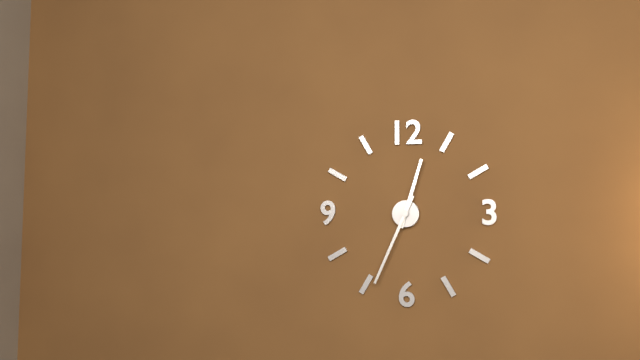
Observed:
12h34
